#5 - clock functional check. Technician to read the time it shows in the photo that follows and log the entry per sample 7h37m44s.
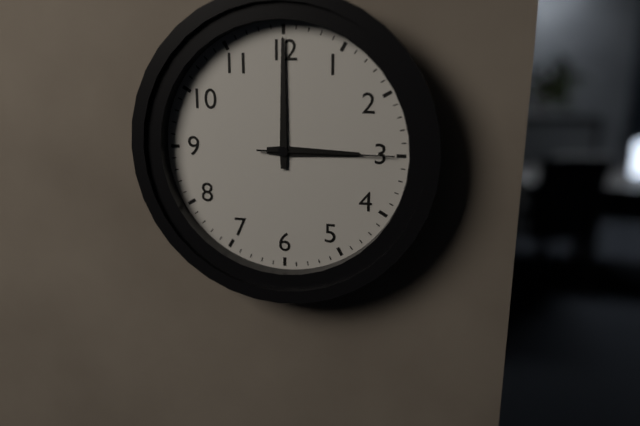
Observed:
3h00m15s
